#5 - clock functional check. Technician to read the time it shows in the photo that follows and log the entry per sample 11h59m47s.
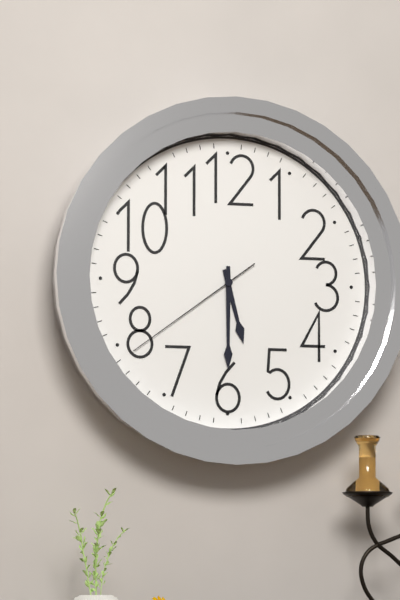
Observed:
5h30m39s
